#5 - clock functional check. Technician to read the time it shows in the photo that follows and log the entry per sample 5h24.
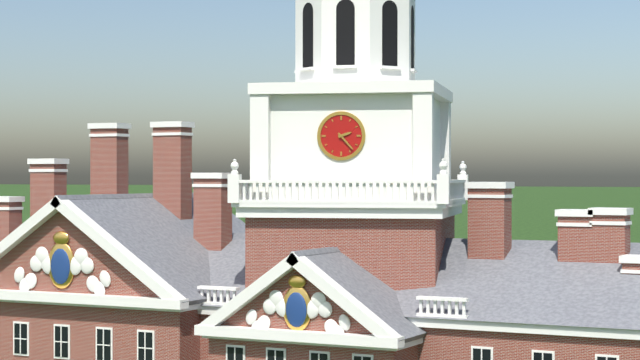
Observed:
2h23
